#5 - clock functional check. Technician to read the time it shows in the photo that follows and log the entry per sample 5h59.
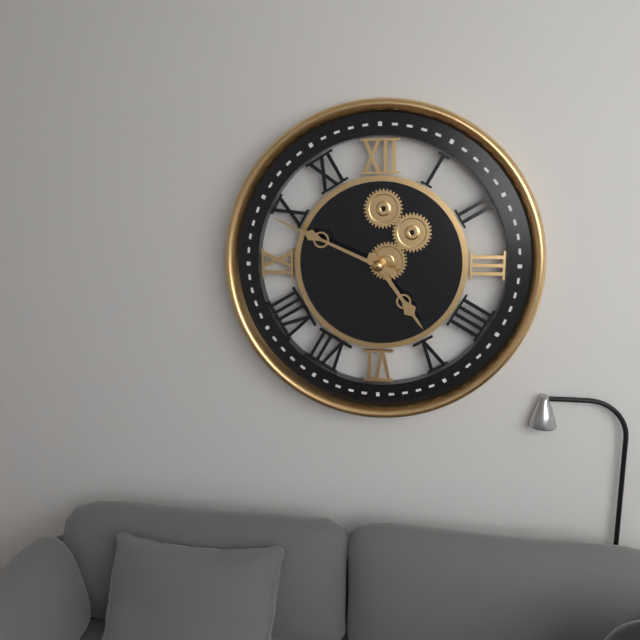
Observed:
4h49
